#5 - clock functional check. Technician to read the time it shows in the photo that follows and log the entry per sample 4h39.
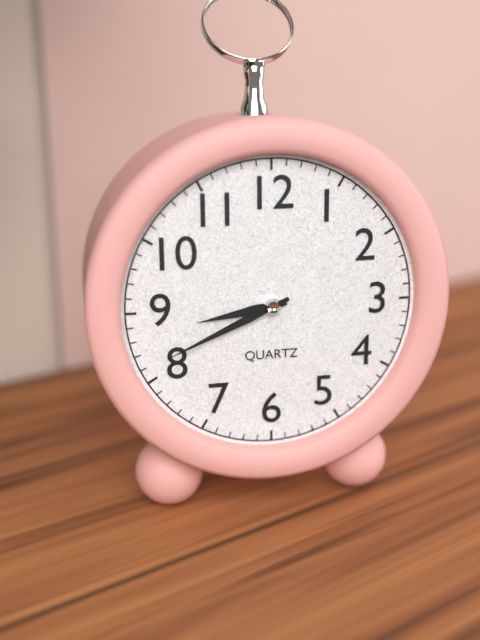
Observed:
8h41
